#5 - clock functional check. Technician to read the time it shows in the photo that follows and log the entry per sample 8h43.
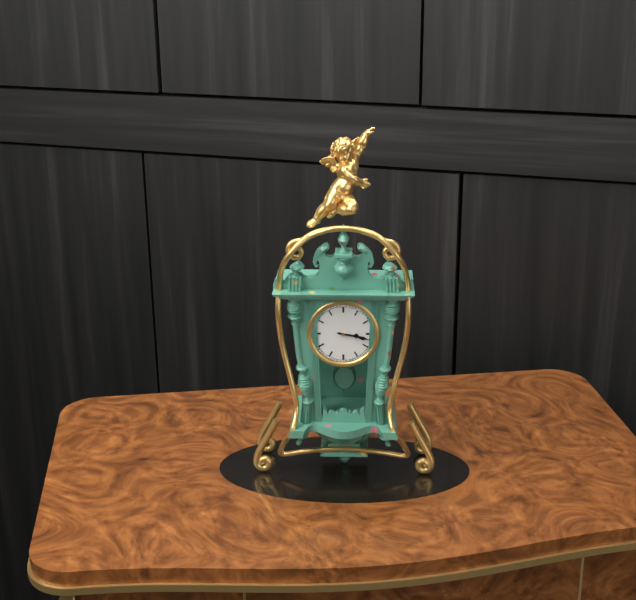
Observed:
3h17
